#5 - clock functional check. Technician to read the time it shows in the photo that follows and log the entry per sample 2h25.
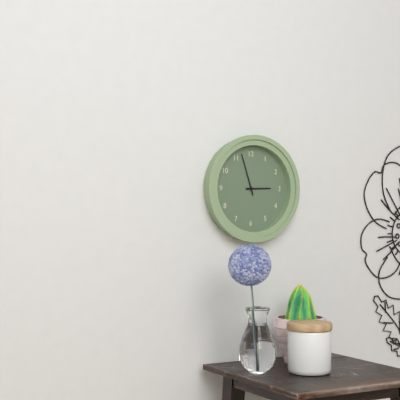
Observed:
2h57
